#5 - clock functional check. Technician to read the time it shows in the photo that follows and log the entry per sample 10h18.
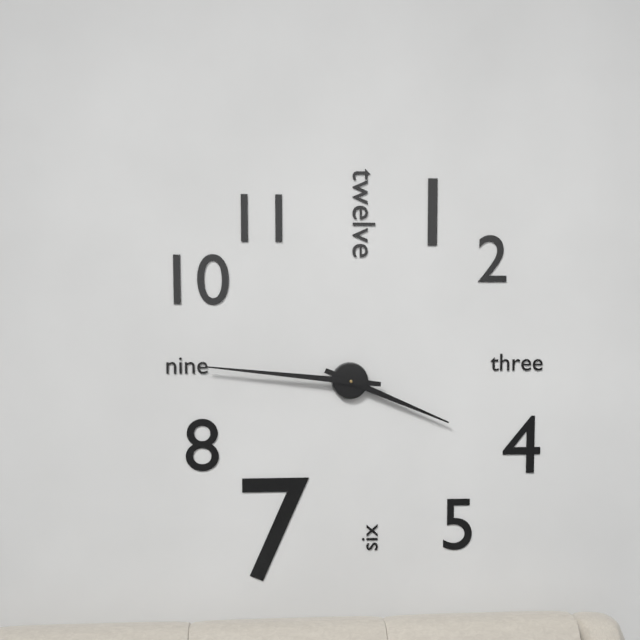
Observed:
3h46
